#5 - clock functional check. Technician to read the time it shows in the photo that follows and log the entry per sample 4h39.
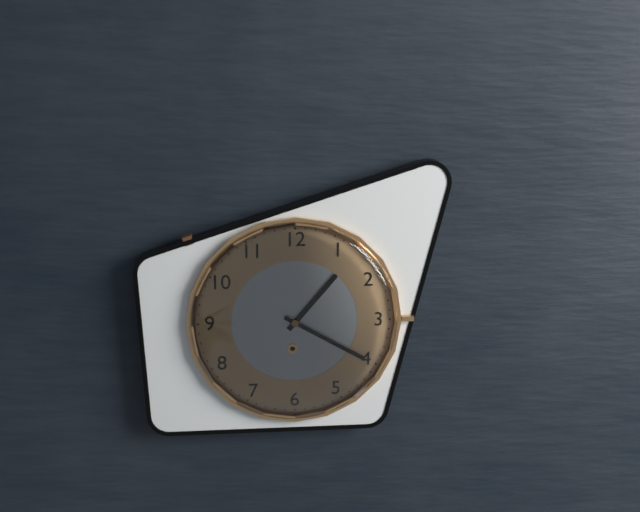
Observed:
1h20
